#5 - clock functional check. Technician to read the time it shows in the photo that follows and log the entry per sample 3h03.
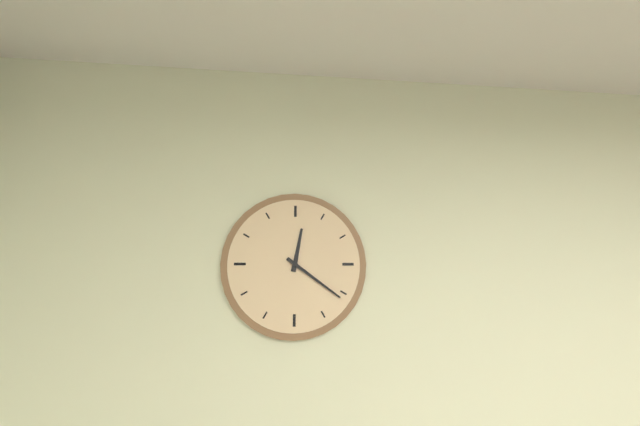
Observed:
12h21
